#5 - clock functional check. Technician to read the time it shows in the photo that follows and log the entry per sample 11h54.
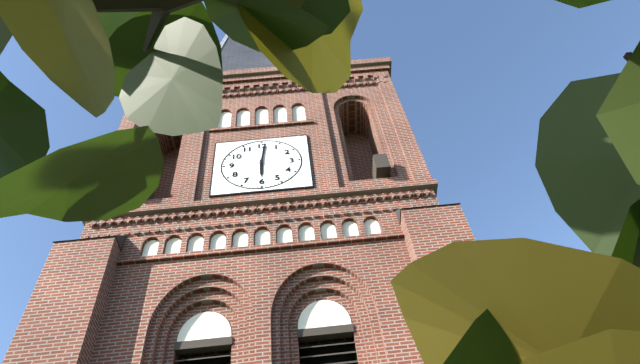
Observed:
6h01
